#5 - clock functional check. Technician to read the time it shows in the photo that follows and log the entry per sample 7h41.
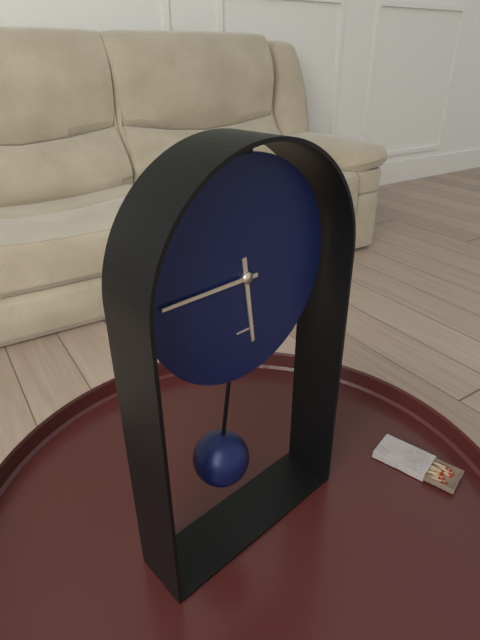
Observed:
5h45
